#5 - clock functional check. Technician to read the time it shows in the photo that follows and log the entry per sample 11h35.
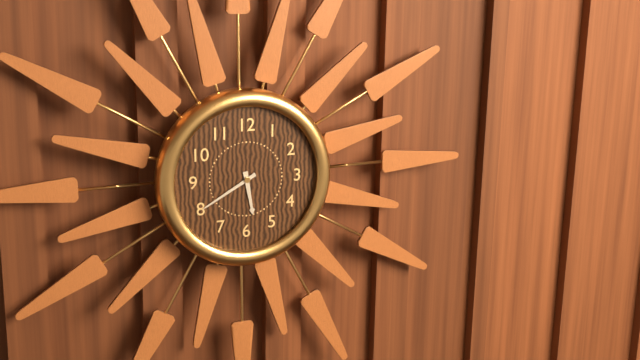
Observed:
5h40
